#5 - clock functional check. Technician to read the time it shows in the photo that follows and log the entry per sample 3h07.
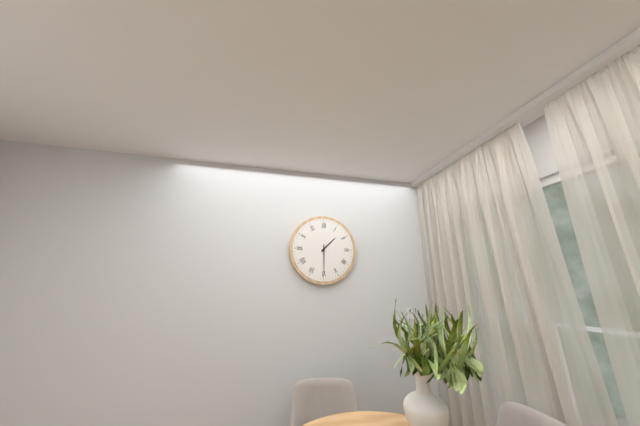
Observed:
1h30
